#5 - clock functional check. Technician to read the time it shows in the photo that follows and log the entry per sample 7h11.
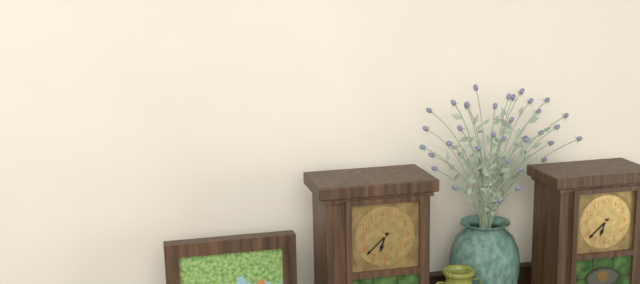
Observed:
6h38
